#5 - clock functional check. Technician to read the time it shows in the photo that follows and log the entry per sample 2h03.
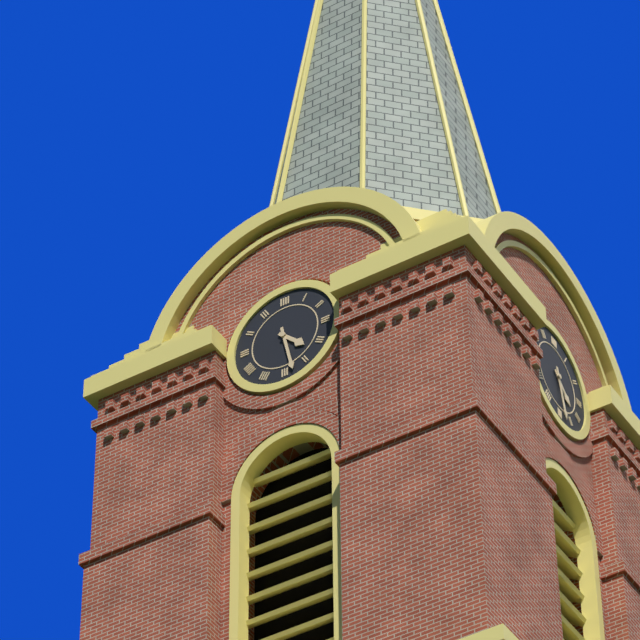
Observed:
4h28
